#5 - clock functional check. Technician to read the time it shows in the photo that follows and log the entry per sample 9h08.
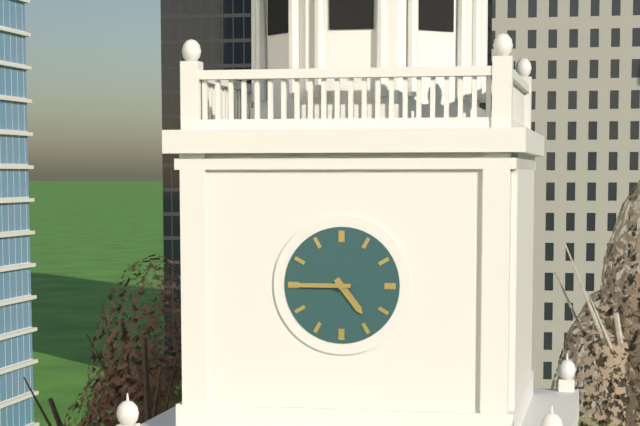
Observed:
4h45
